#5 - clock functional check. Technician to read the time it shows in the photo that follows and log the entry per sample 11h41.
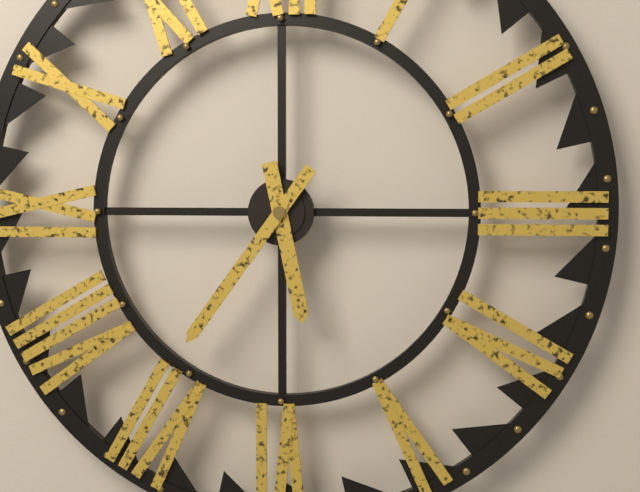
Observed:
5h36
